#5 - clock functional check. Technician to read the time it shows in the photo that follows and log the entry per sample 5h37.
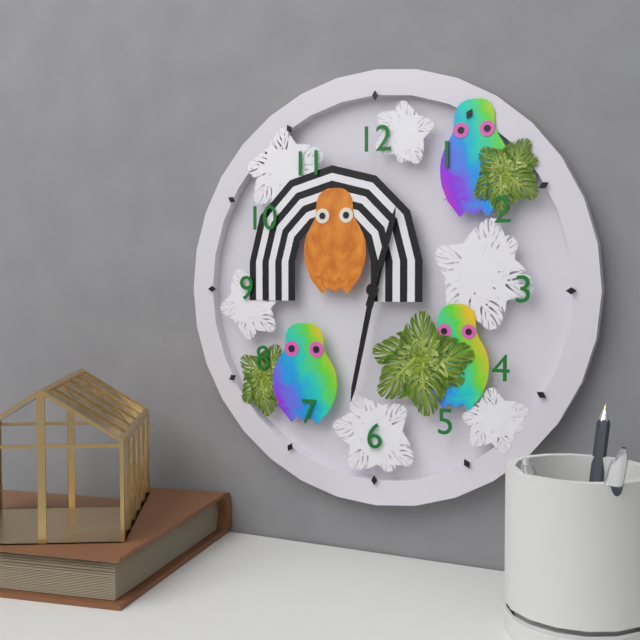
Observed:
12h32
